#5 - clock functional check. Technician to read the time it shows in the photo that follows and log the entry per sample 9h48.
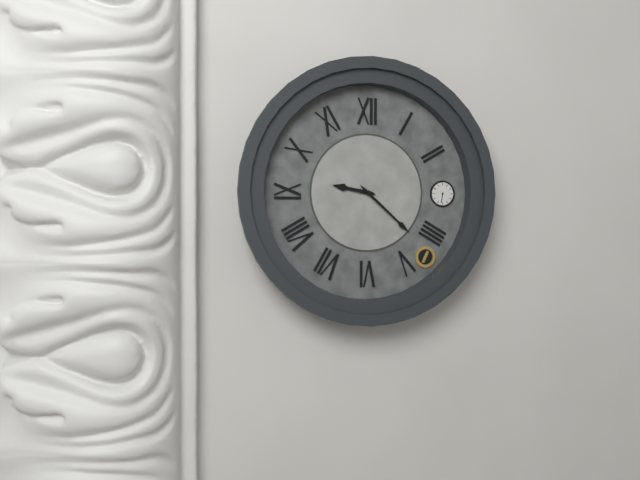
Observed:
9h22
